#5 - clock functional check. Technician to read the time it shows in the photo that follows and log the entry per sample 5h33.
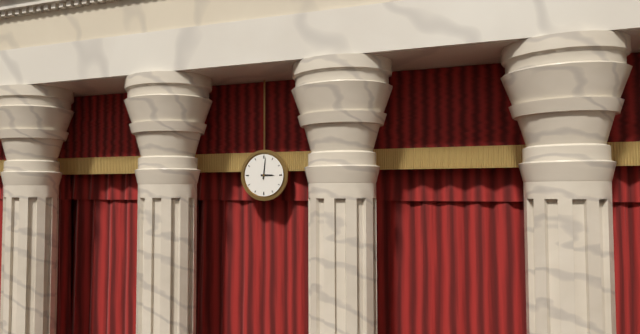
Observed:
3h01
